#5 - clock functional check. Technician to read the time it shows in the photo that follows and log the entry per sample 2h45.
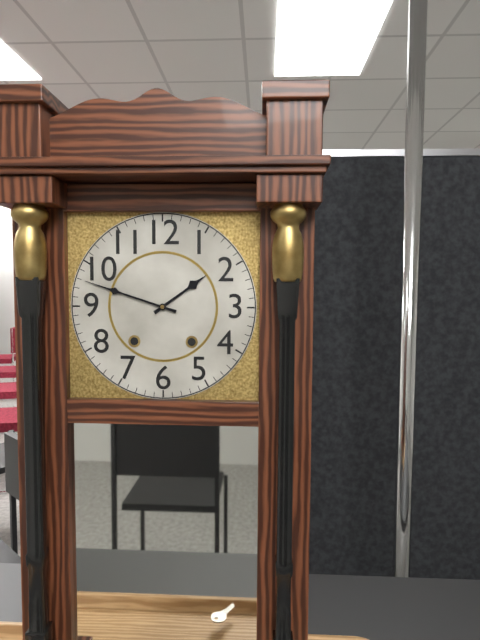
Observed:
1h48
